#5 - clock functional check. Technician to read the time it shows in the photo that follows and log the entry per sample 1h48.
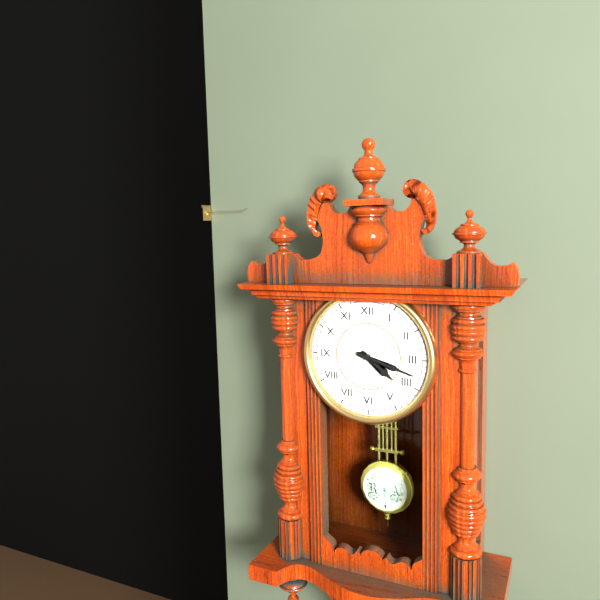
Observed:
4h18
